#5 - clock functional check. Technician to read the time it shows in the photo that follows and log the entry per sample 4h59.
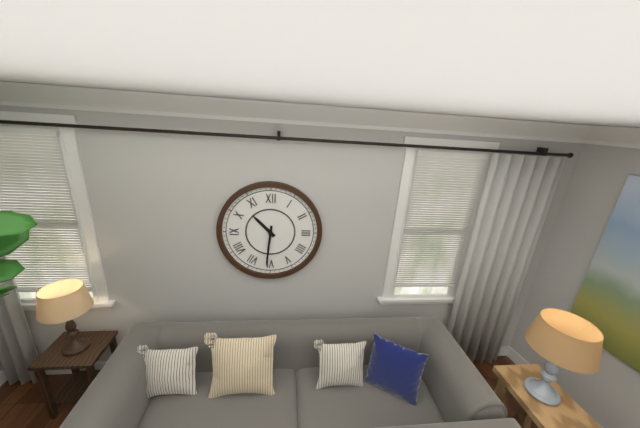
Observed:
10h31
